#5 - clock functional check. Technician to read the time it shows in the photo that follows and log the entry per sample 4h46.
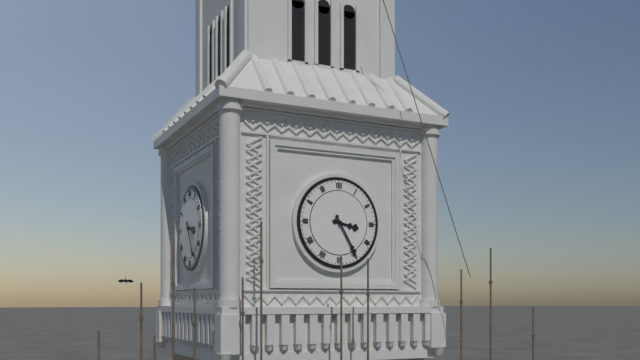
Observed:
3h25
